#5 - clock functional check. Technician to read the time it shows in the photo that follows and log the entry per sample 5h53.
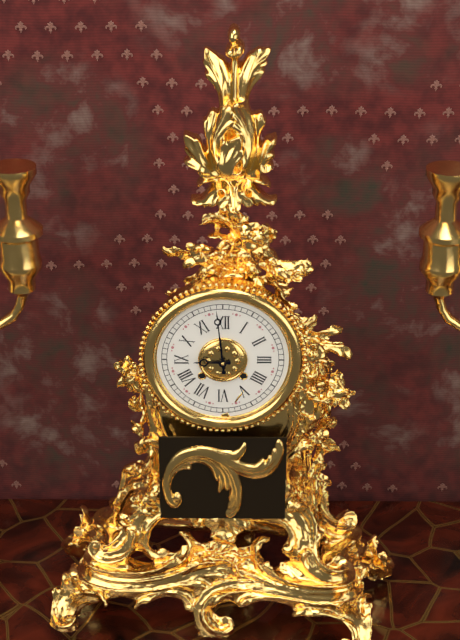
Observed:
8h59
